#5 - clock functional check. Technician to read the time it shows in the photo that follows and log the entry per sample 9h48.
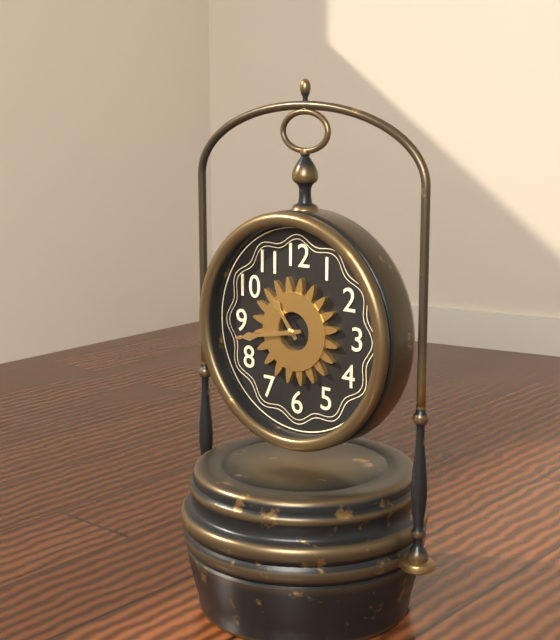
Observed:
10h43
